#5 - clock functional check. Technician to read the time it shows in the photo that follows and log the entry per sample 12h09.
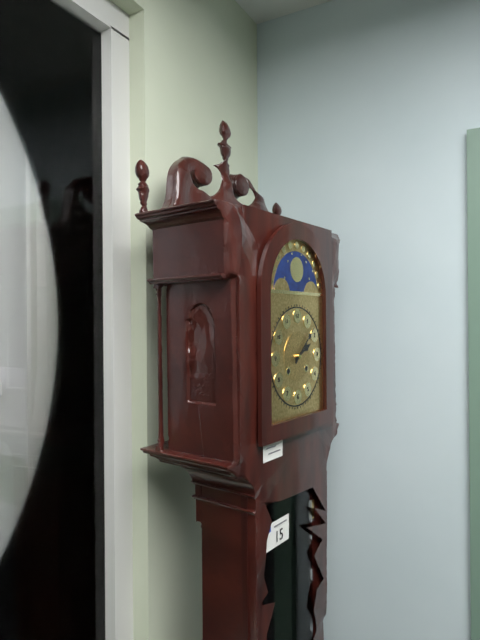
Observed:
2h08
